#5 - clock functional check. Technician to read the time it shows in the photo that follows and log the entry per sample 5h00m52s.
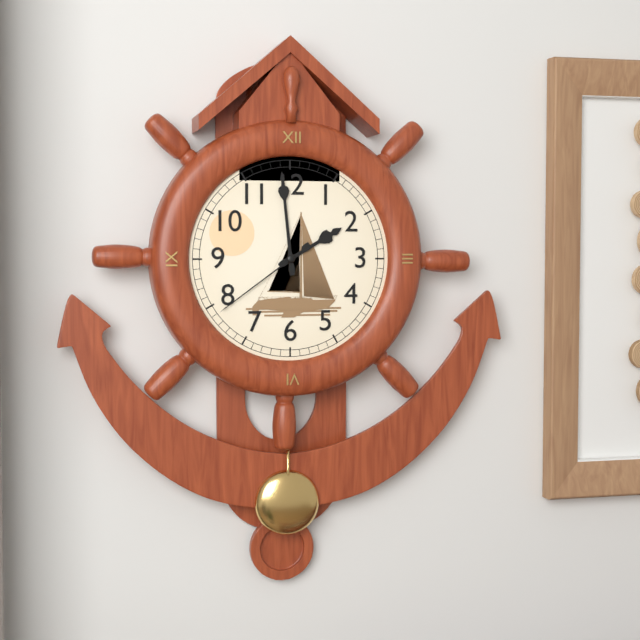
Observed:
1h59m39s
